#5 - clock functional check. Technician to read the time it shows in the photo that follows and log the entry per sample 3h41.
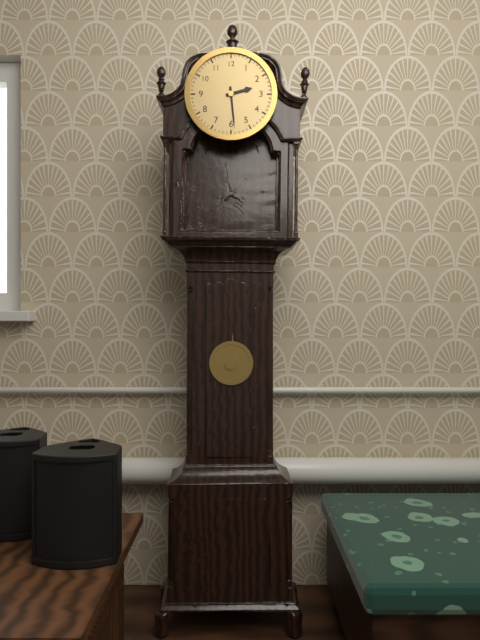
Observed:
2h29
